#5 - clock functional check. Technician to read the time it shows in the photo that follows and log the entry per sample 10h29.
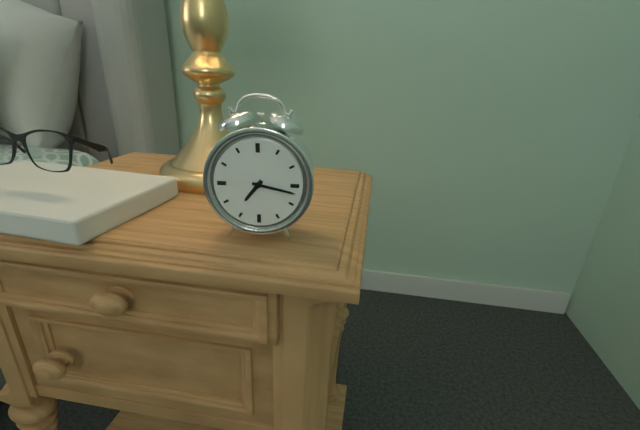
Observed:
7h17
